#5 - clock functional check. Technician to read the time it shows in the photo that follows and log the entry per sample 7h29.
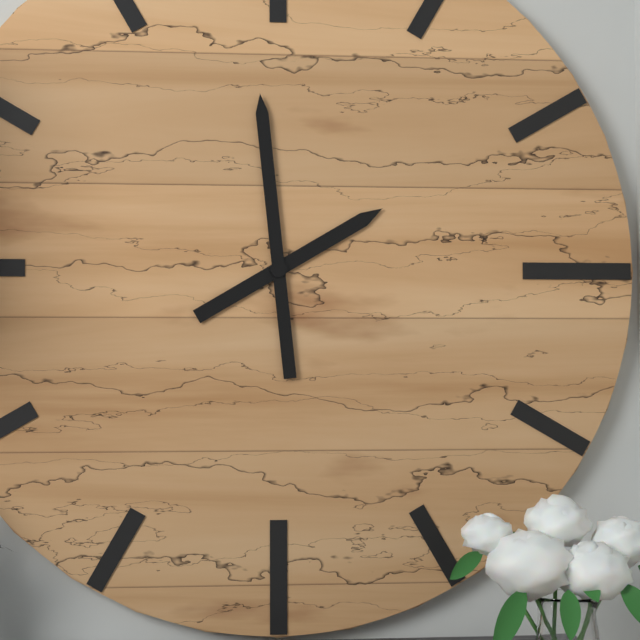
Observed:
1h59
